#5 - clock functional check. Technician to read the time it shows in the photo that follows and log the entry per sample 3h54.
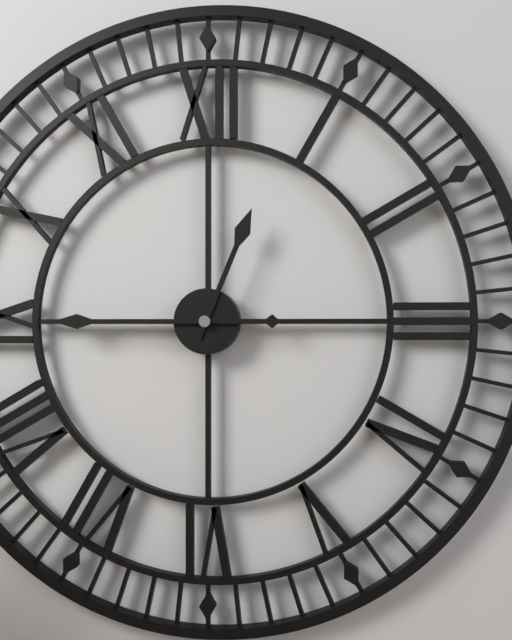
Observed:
12h45
